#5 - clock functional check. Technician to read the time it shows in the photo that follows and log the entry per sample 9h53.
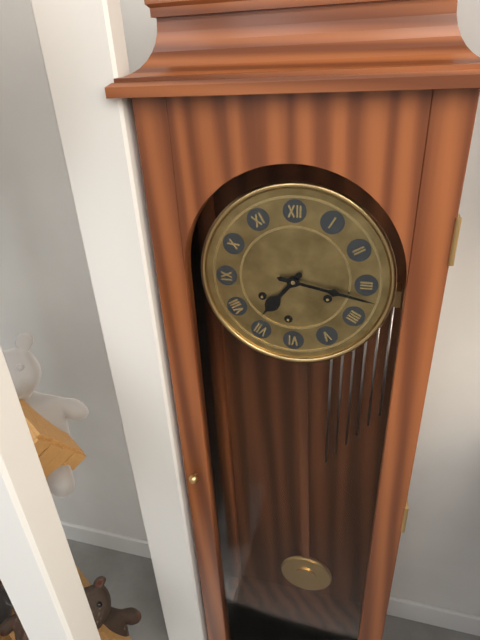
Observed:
7h17
